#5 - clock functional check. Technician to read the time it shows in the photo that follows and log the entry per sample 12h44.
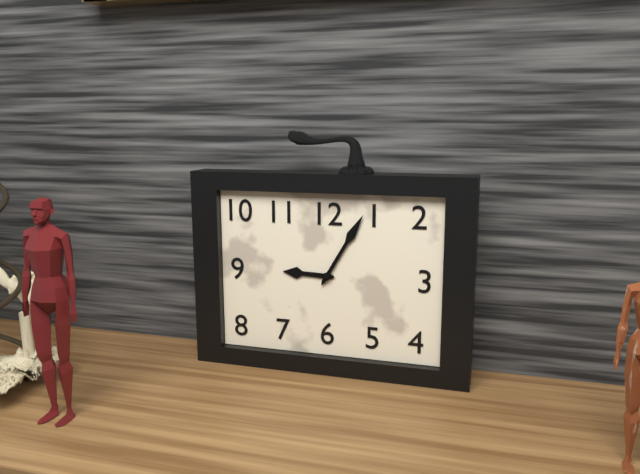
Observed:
9h05
